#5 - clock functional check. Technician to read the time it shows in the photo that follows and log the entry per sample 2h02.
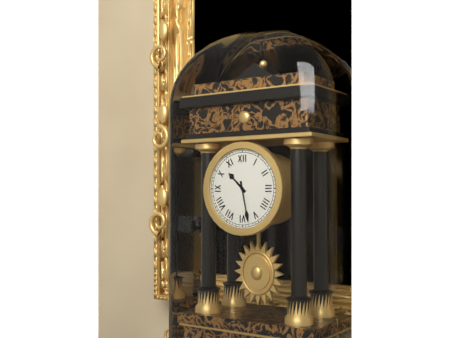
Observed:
10h28
